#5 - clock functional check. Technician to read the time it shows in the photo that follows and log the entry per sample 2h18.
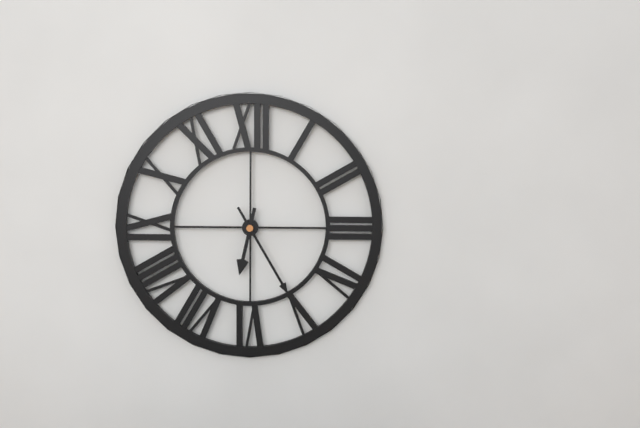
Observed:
6h25
